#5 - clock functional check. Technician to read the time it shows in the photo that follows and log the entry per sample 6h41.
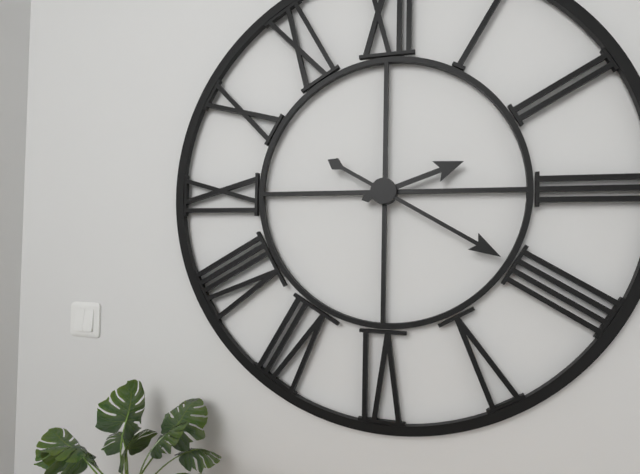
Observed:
2h20
